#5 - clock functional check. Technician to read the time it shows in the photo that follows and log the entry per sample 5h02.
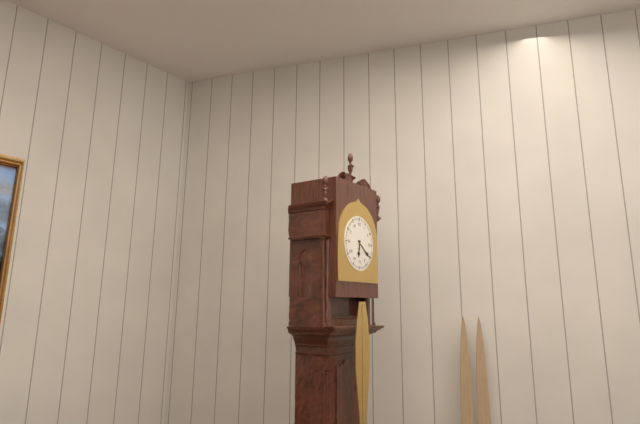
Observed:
6h21
